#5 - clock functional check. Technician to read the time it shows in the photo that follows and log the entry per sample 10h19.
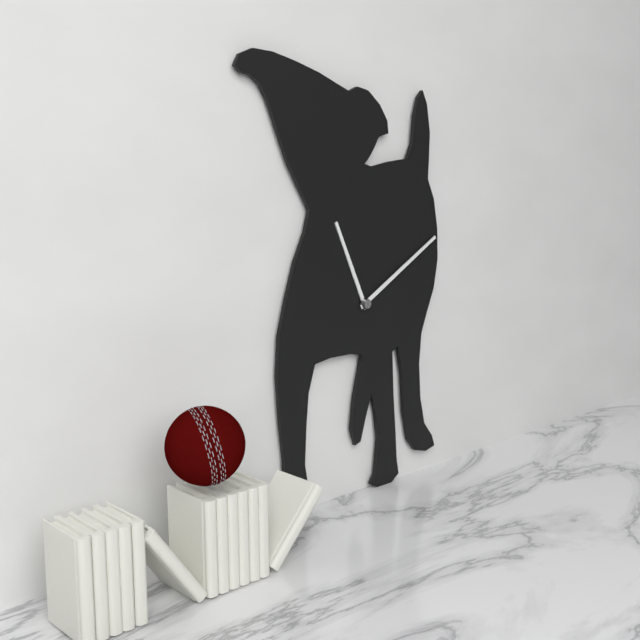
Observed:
11h10
